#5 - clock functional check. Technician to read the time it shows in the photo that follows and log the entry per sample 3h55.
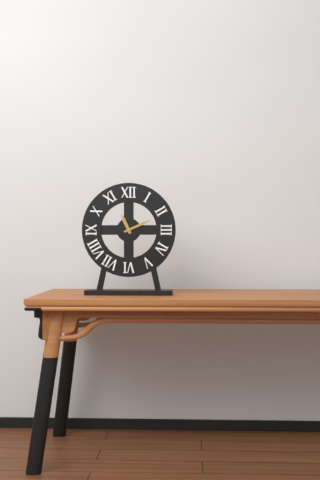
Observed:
11h11
